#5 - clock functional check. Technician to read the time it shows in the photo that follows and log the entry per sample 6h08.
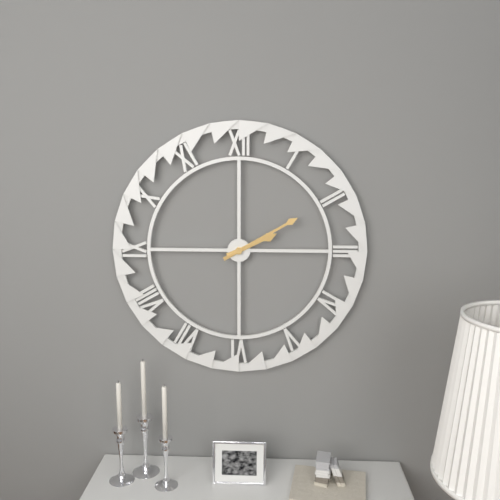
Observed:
2h10
